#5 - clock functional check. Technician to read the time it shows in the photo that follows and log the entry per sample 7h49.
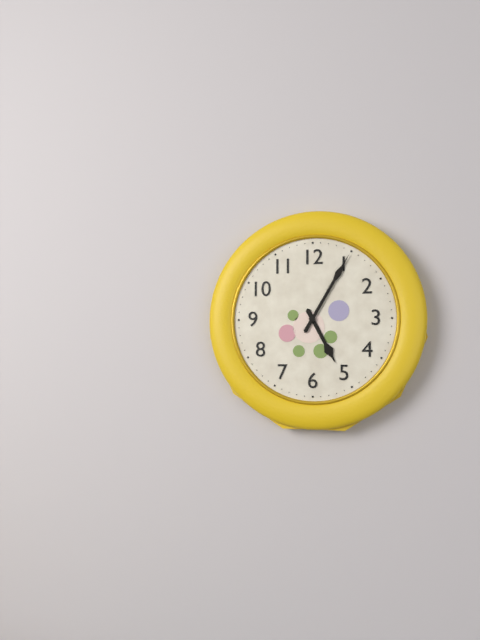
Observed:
5h05
